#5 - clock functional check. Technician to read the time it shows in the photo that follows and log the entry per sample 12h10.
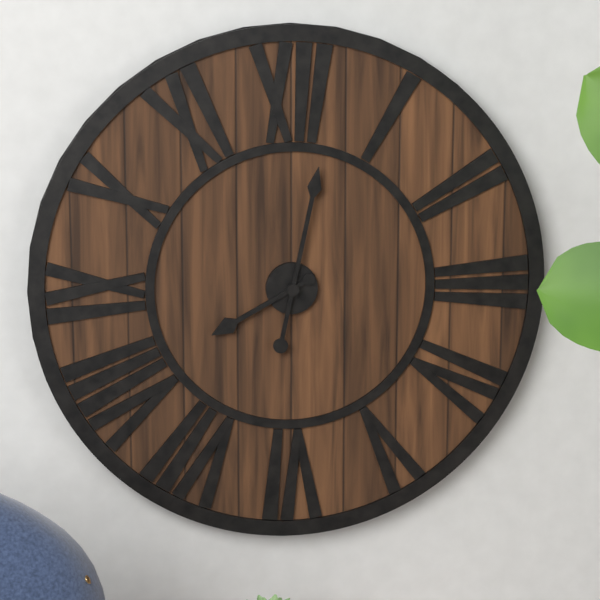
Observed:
8h02
